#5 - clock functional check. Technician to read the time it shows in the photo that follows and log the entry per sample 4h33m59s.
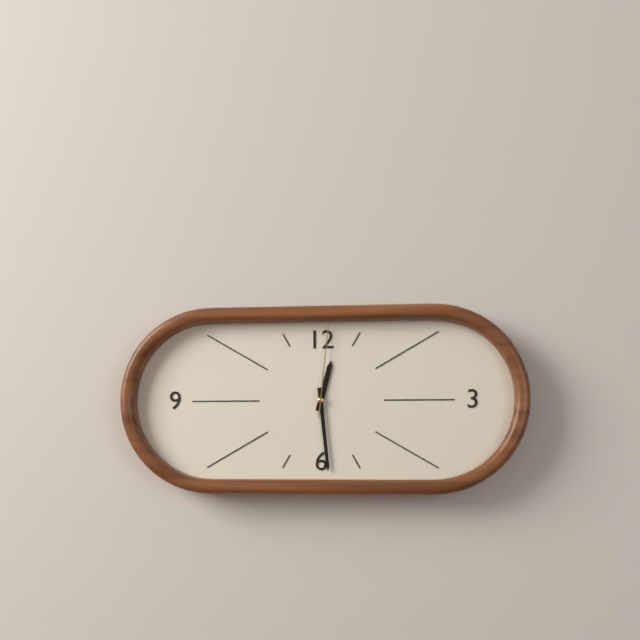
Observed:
12h29m01s
